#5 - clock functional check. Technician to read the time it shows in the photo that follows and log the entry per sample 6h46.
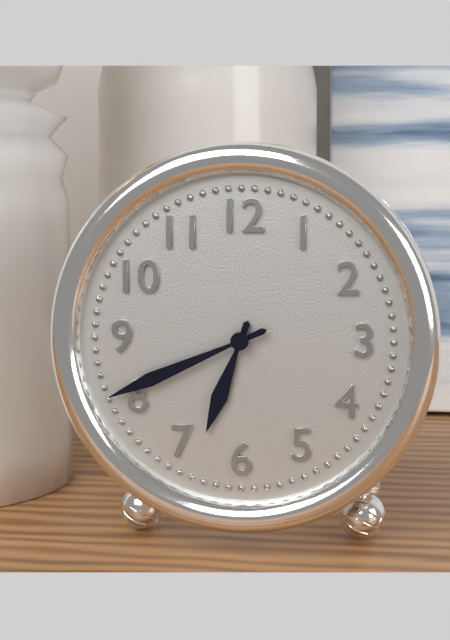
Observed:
6h41
